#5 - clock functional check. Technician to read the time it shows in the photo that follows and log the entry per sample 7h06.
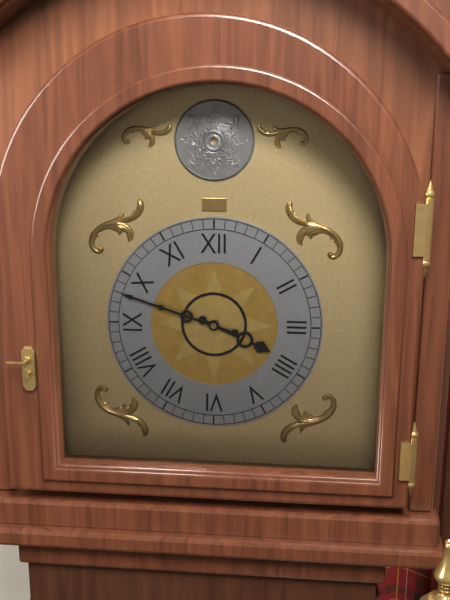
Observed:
3h48
